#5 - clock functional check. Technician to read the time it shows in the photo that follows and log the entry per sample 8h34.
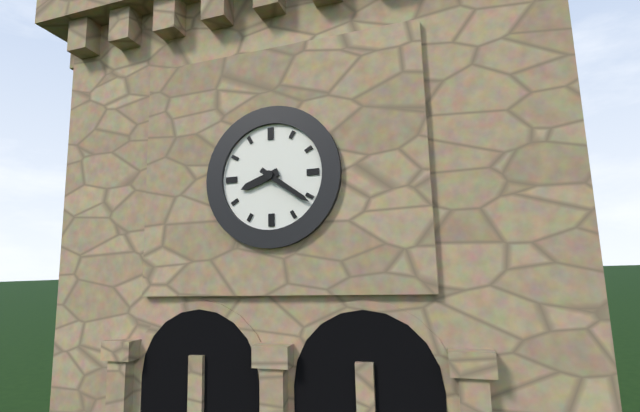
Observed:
8h21
